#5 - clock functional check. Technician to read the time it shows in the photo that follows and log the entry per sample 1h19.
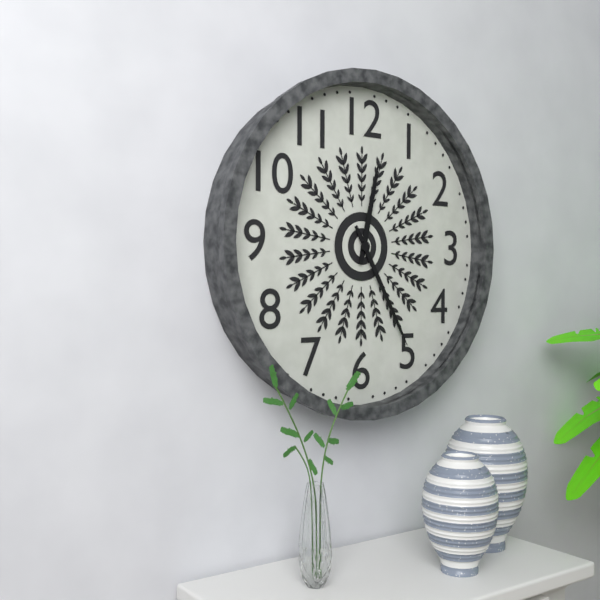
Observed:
12h25
